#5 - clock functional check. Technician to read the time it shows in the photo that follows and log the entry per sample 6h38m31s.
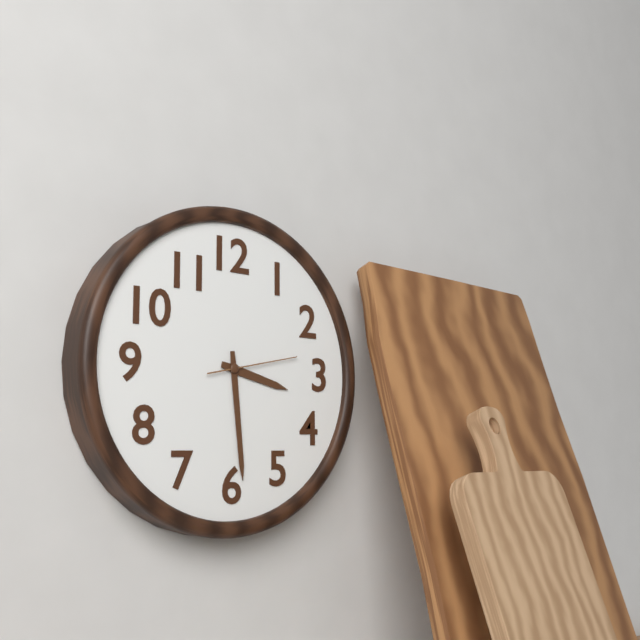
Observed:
3h29m13s
